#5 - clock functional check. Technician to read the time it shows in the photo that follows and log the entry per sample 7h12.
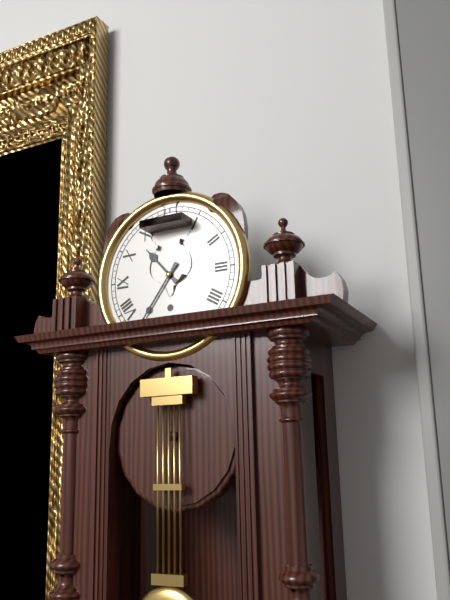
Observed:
10h36
